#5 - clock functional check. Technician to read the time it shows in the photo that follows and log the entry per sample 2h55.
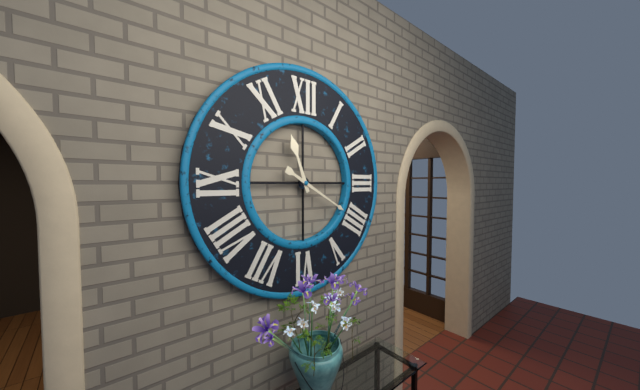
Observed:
11h20
